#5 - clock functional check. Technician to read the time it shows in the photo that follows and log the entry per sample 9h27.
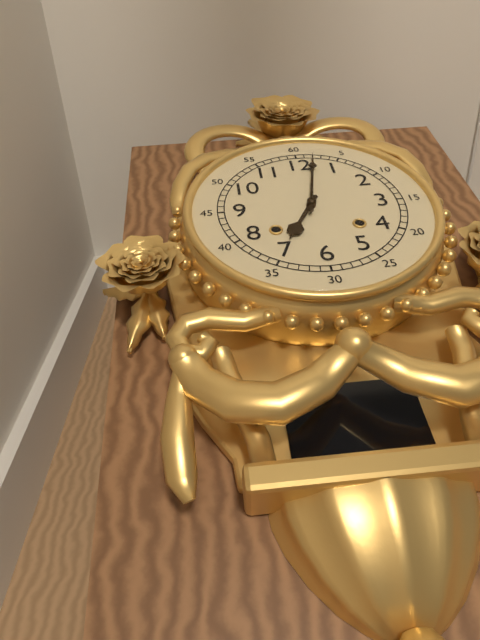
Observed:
7h02
